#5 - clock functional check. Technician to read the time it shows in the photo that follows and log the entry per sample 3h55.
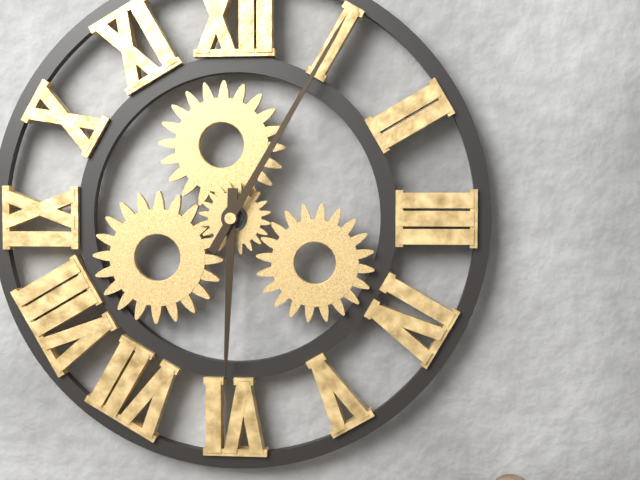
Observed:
6h05
